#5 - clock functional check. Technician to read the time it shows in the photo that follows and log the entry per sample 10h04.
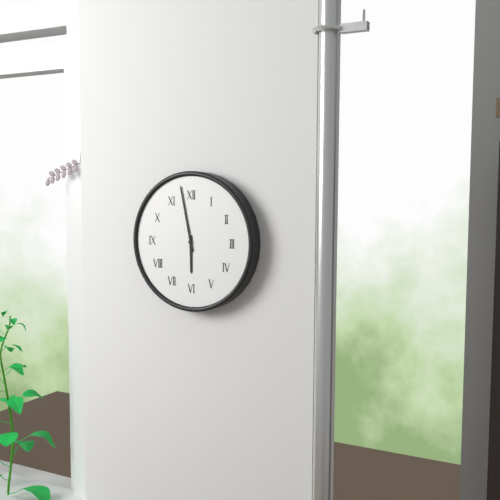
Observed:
5h58
